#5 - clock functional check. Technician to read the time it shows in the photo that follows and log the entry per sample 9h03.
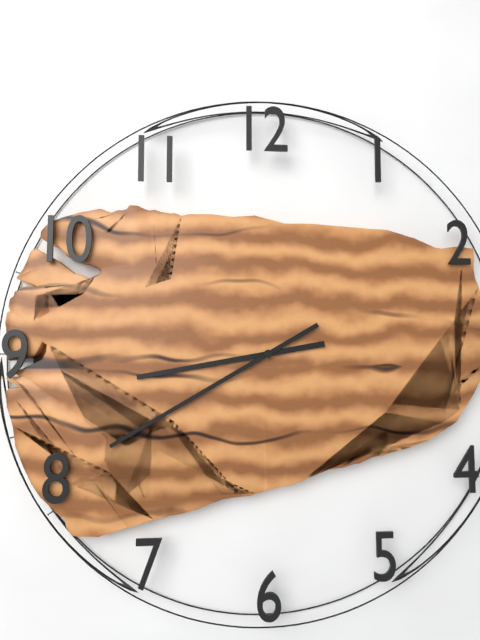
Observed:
8h40
